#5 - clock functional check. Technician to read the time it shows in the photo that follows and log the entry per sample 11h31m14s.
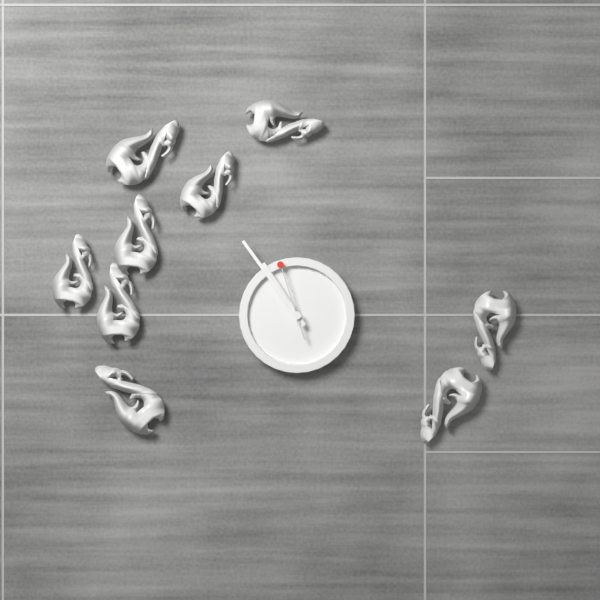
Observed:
10h54m57s
